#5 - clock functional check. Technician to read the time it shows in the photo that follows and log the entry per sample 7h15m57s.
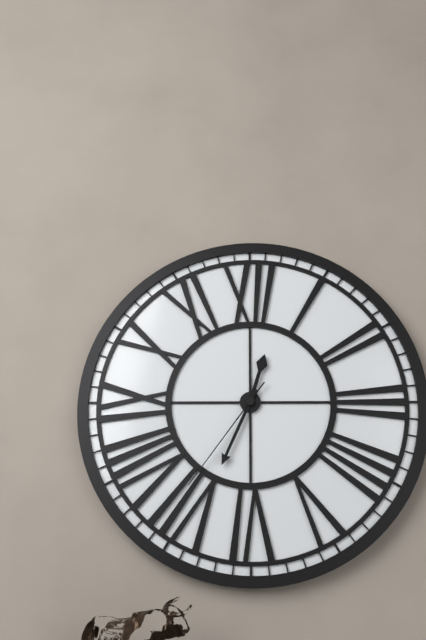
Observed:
12h34m36s
